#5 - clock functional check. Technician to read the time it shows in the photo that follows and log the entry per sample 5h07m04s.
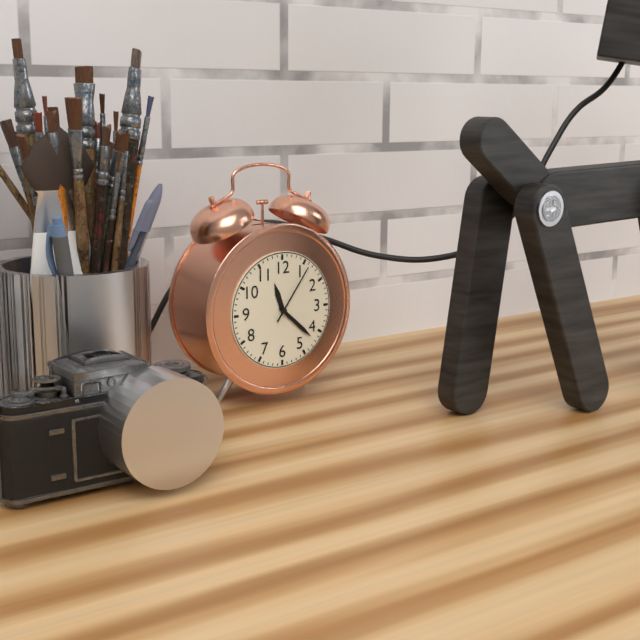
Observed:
11h22m06s
